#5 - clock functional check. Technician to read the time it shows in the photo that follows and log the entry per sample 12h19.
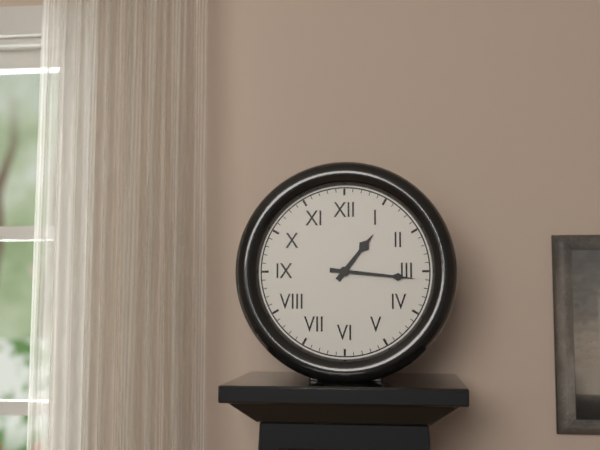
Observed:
1h16
